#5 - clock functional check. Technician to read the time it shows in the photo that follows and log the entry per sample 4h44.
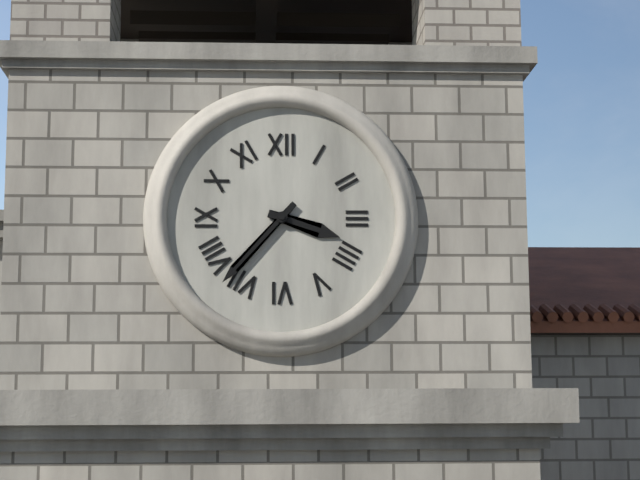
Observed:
3h37
